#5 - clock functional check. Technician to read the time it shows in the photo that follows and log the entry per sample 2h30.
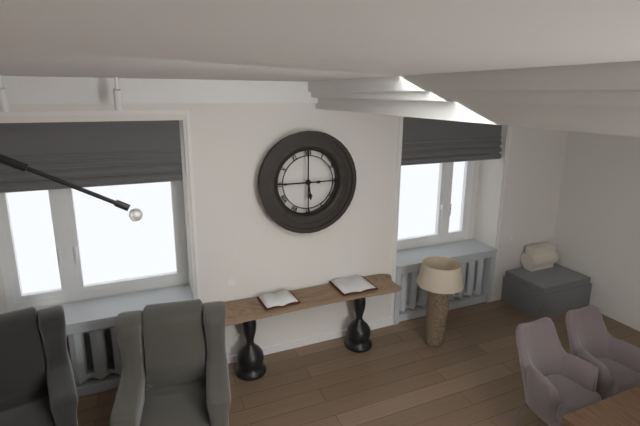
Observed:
5h45
